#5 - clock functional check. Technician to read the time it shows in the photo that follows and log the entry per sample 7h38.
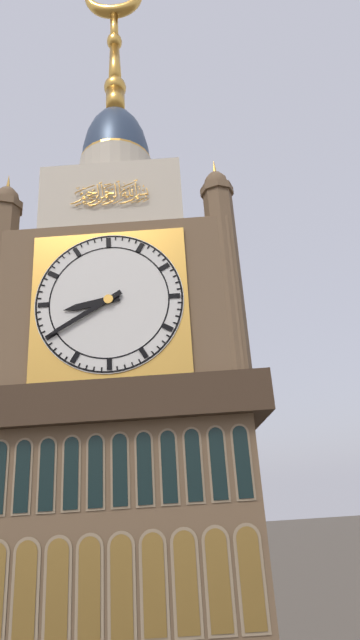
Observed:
8h40
